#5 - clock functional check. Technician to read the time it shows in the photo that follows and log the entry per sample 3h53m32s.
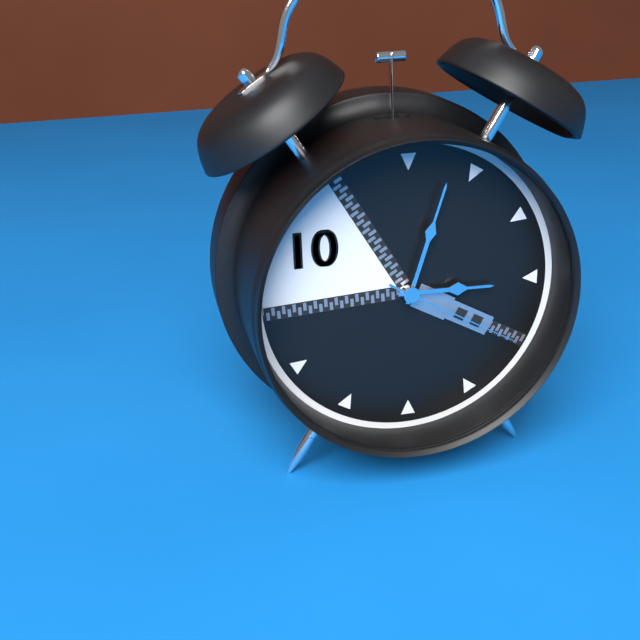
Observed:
3h03m20s
